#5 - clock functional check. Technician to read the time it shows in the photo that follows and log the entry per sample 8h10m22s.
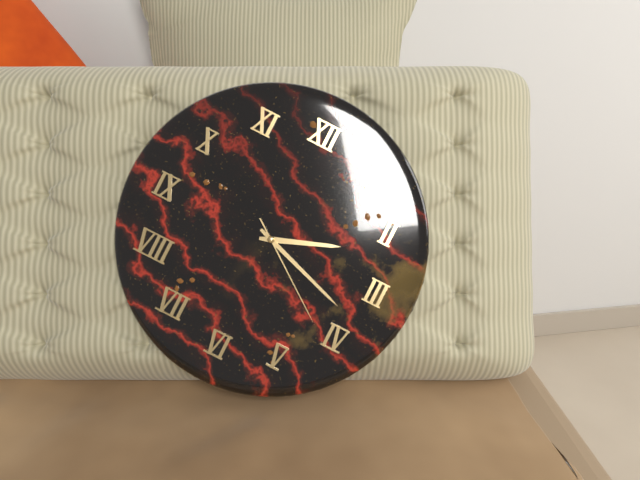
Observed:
2h18m21s
